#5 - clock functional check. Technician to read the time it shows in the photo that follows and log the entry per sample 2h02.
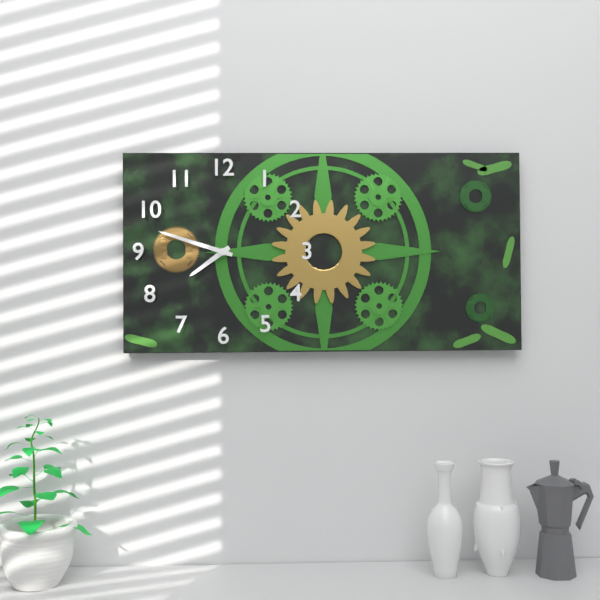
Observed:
7h48
